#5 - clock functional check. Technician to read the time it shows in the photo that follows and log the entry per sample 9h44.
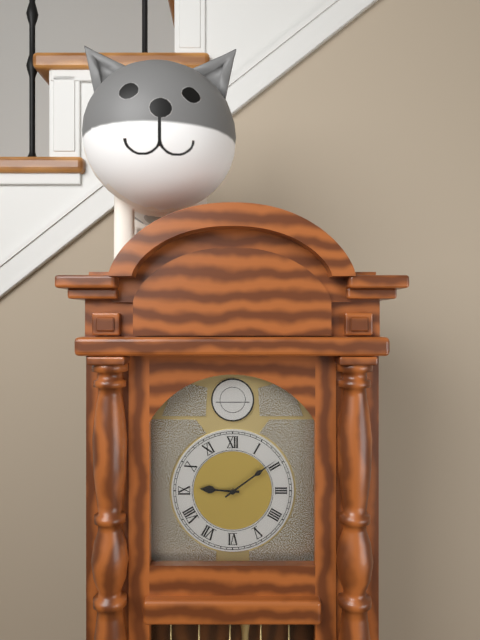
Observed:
9h09
